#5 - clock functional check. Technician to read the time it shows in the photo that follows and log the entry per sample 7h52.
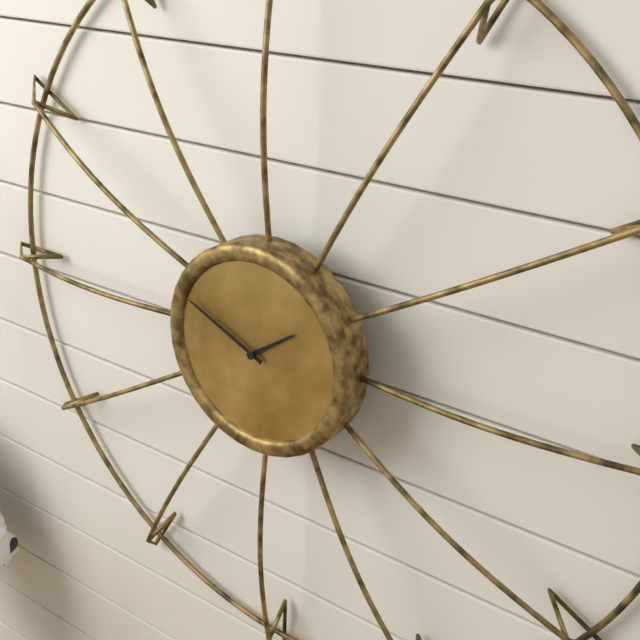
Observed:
1h49
